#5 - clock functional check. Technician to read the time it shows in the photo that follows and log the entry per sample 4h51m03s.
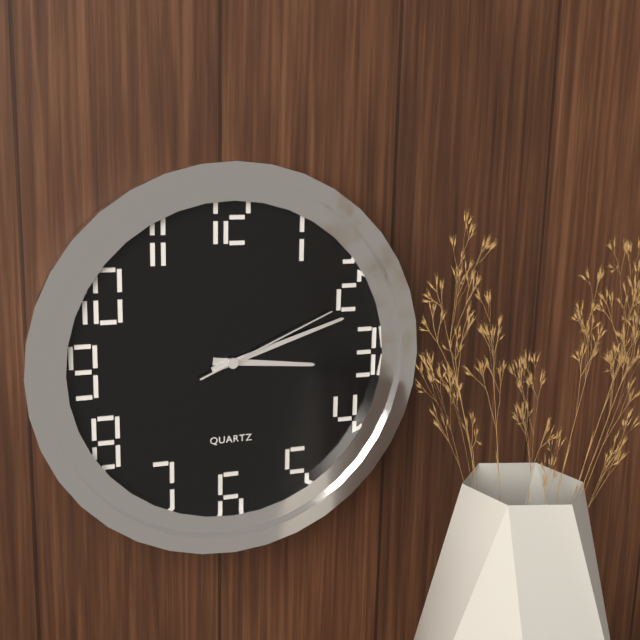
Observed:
3h12m11s
